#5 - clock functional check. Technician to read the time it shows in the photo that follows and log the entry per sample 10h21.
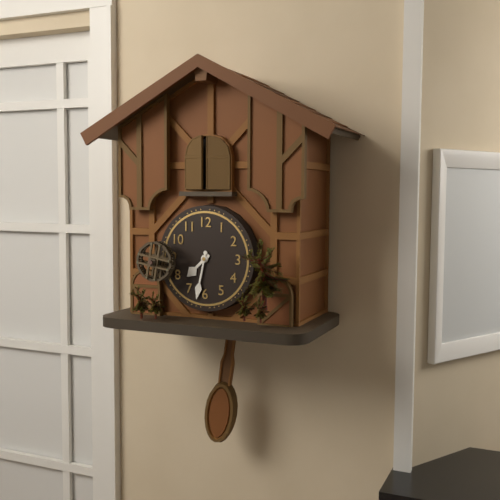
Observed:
7h32
